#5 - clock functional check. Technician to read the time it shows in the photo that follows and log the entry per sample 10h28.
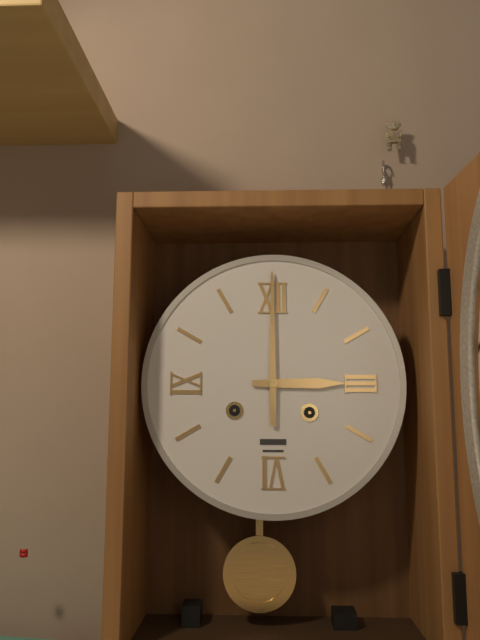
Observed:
3h00
